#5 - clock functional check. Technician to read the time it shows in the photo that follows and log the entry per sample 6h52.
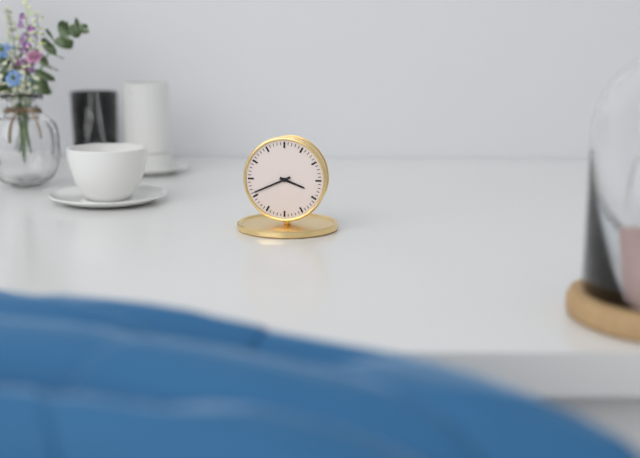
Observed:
3h41
